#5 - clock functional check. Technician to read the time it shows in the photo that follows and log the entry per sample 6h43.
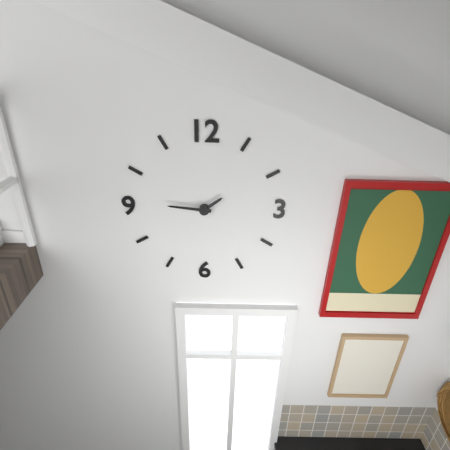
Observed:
1h46
